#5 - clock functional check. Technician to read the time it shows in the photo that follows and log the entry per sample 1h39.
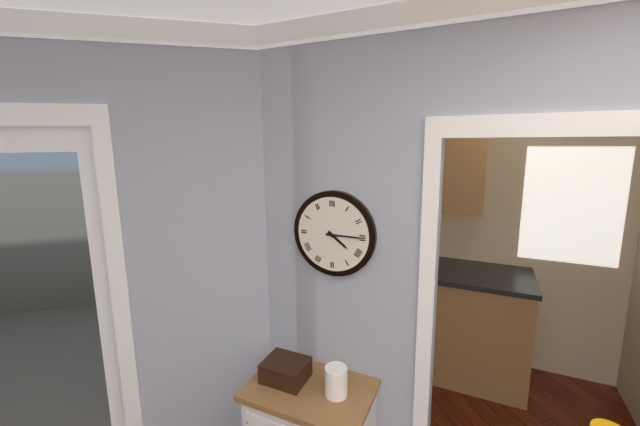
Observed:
4h15
